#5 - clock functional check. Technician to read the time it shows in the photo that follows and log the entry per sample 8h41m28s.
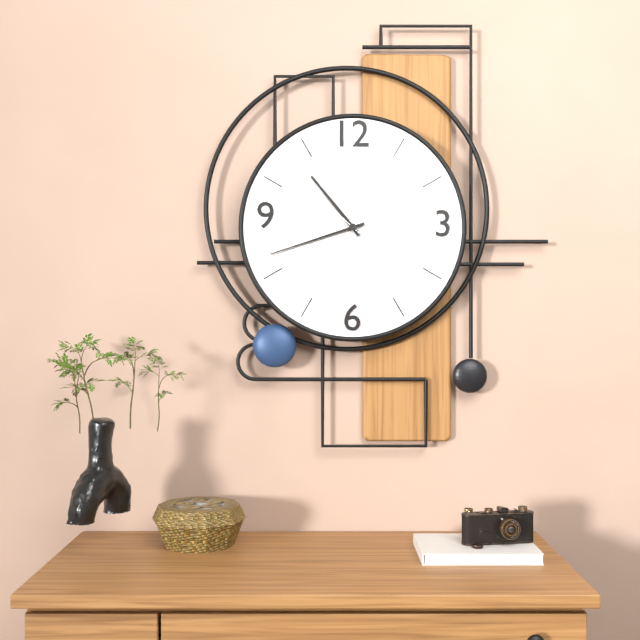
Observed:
10h42m22s
